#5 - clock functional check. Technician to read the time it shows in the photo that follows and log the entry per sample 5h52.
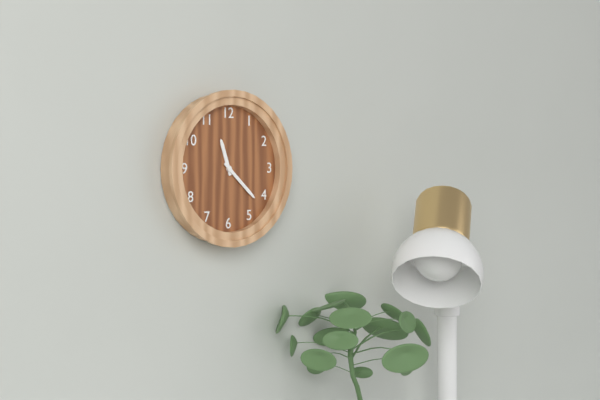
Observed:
11h22
